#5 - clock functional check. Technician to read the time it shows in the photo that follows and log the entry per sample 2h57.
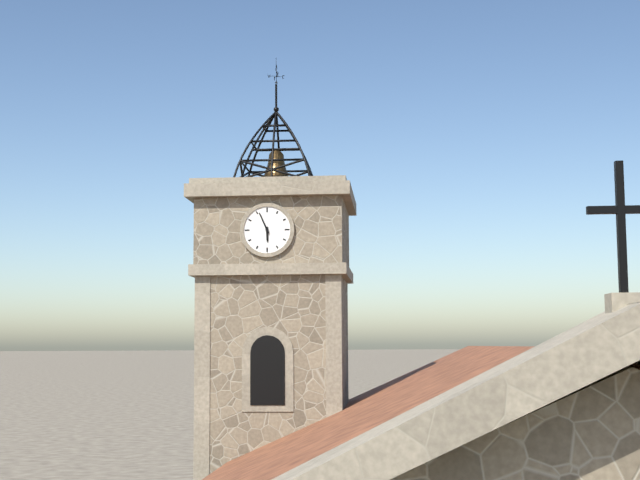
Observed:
5h56
